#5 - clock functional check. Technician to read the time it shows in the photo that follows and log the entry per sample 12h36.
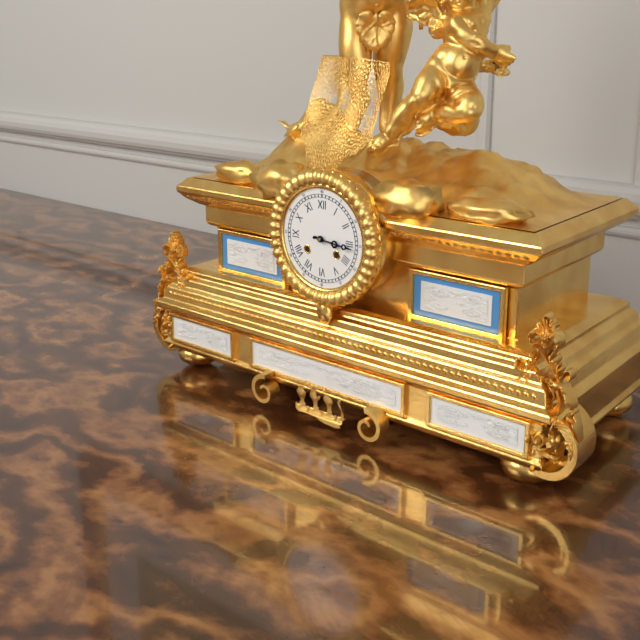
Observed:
3h16
